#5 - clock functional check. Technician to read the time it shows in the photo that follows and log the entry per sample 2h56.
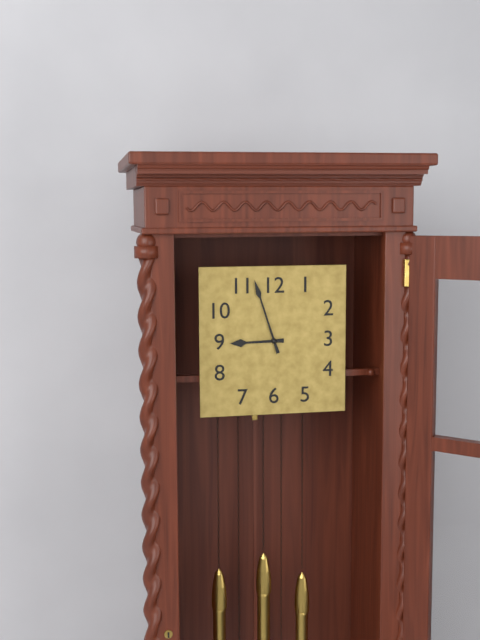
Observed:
8h57
